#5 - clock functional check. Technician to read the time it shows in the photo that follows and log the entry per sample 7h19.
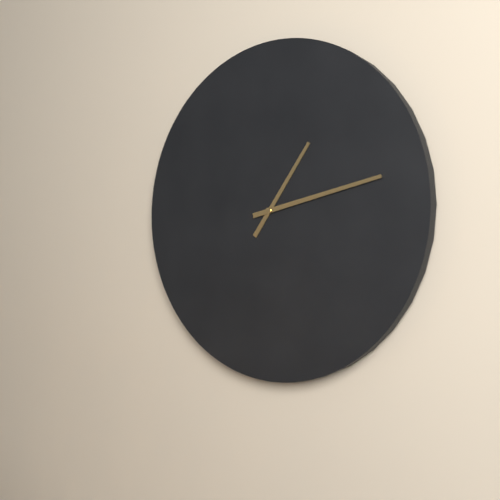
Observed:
1h13
